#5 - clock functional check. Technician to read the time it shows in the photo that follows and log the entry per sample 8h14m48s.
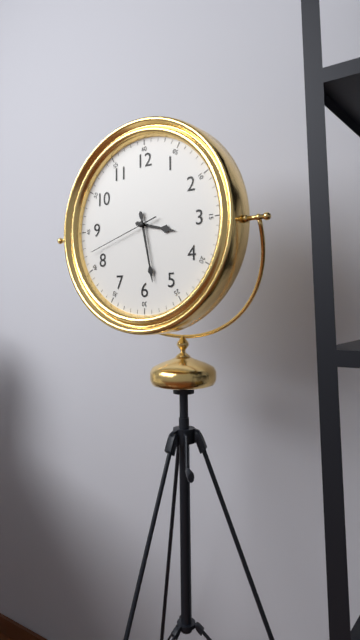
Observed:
3h28m42s
